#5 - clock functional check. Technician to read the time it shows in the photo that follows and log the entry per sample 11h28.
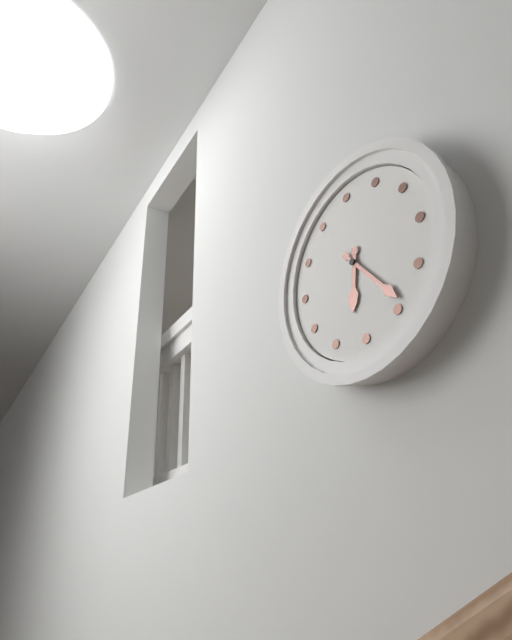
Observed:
6h24
